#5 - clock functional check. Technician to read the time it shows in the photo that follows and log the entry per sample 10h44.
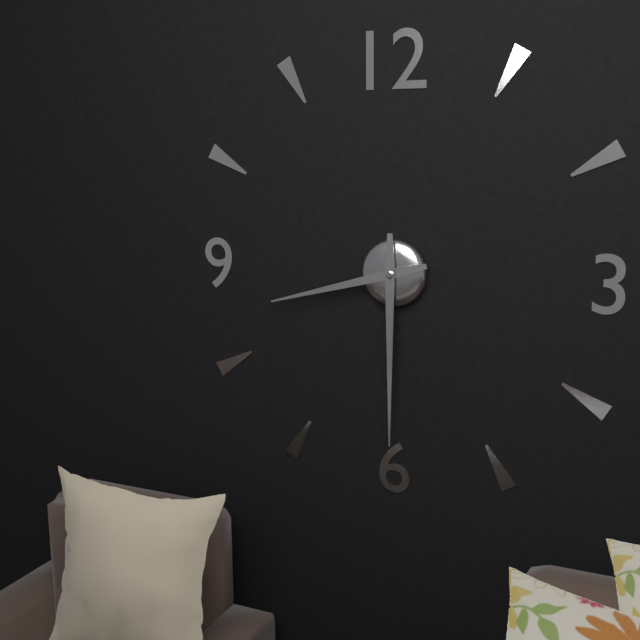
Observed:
8h30
